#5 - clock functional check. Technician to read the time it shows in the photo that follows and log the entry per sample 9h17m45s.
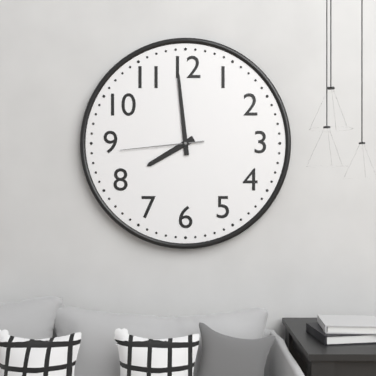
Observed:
7h59m44s
